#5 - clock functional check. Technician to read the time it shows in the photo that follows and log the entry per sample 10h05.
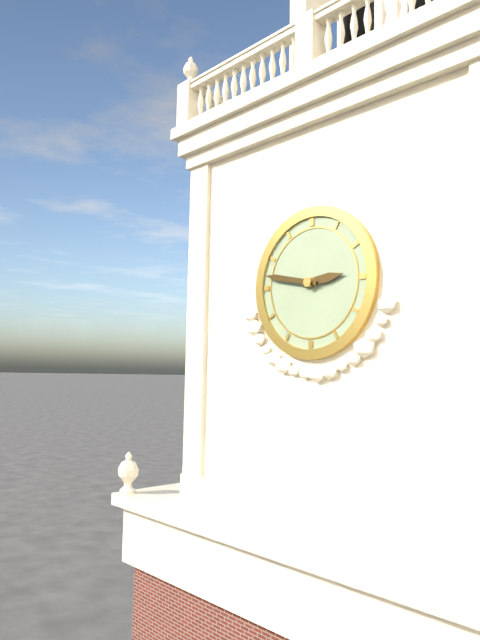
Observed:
2h47
